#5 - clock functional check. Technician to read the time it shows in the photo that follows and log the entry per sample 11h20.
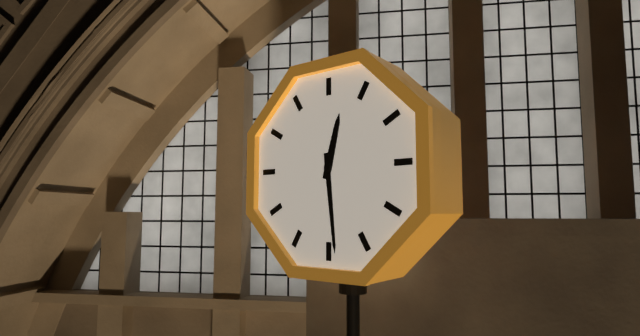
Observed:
12h29
